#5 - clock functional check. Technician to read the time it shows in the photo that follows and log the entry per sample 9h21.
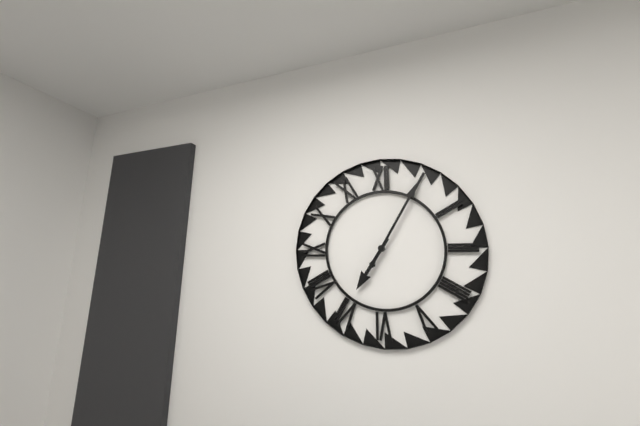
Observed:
7h05
